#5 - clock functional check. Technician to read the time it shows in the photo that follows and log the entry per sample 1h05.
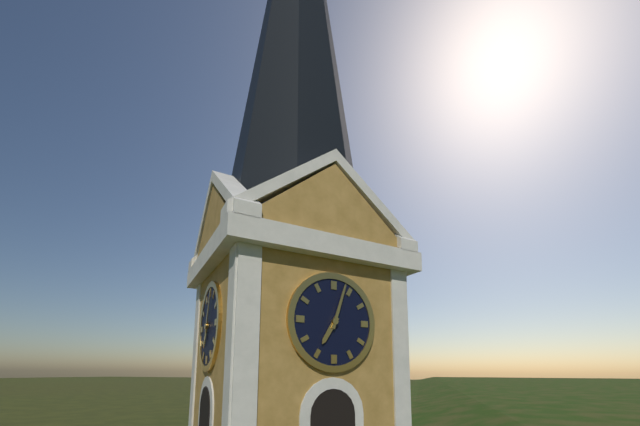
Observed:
7h03
